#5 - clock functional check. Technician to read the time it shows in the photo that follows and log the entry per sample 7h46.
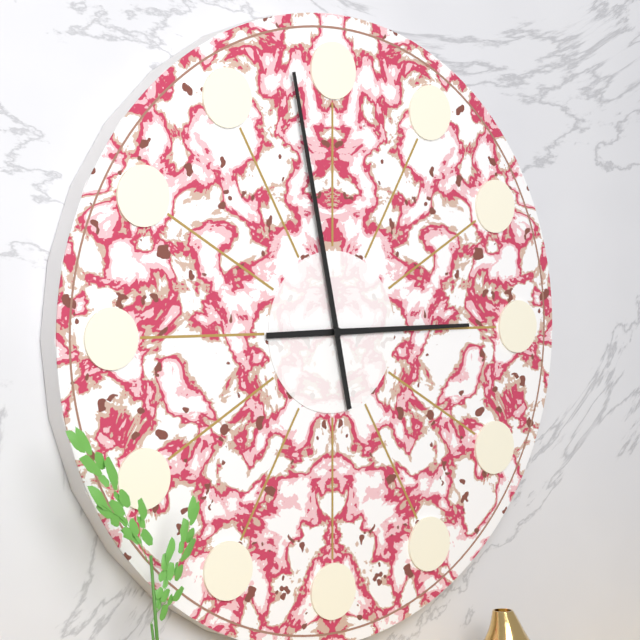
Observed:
2h58
